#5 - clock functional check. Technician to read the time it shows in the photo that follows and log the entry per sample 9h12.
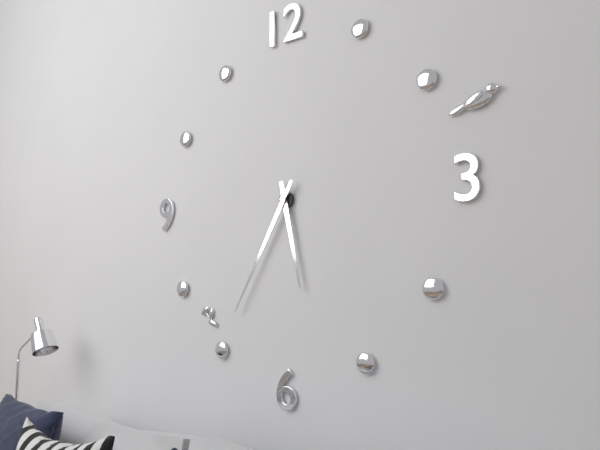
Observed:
5h35
